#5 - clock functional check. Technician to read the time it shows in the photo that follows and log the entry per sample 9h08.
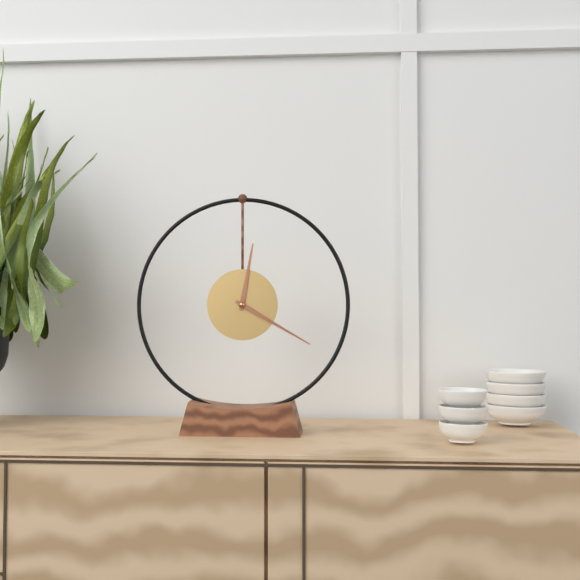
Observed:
12h20
